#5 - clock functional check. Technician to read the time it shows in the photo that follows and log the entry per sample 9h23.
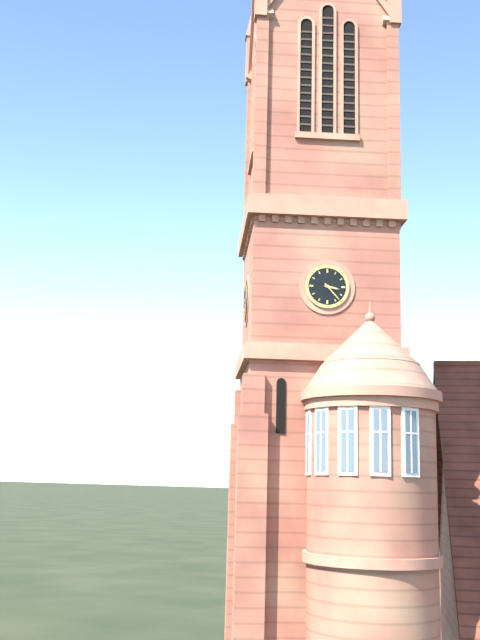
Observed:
3h23
